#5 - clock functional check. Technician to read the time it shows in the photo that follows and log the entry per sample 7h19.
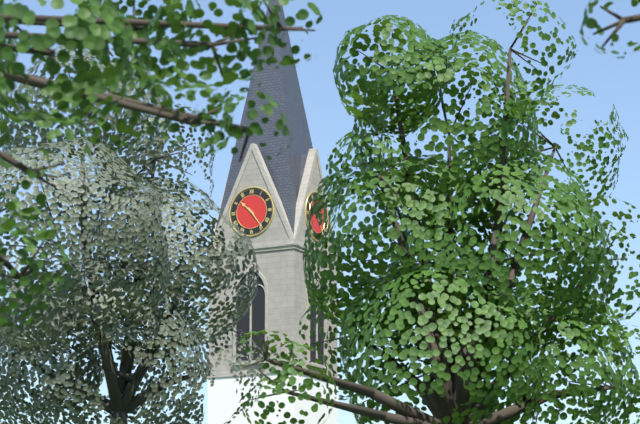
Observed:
10h24
